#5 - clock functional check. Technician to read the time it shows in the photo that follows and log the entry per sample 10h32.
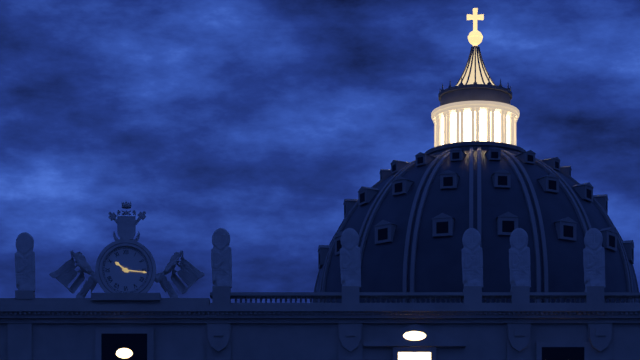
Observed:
10h16
